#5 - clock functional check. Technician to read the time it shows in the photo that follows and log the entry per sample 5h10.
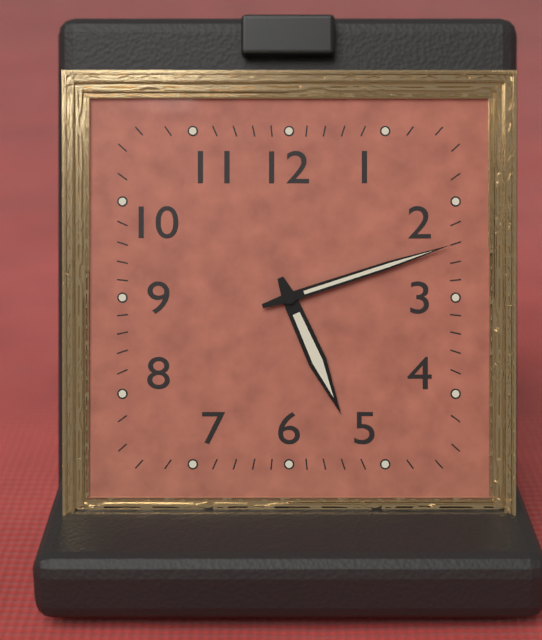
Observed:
5h12
